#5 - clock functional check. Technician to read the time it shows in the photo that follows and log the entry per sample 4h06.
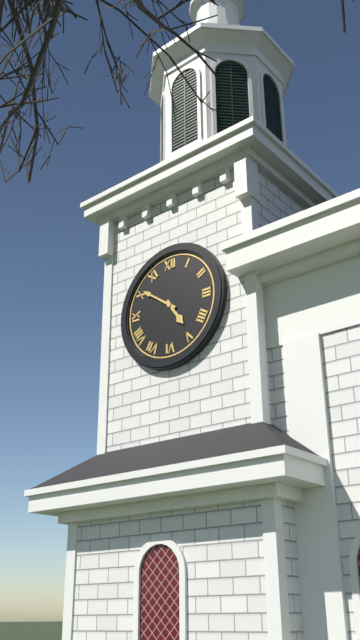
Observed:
4h51
